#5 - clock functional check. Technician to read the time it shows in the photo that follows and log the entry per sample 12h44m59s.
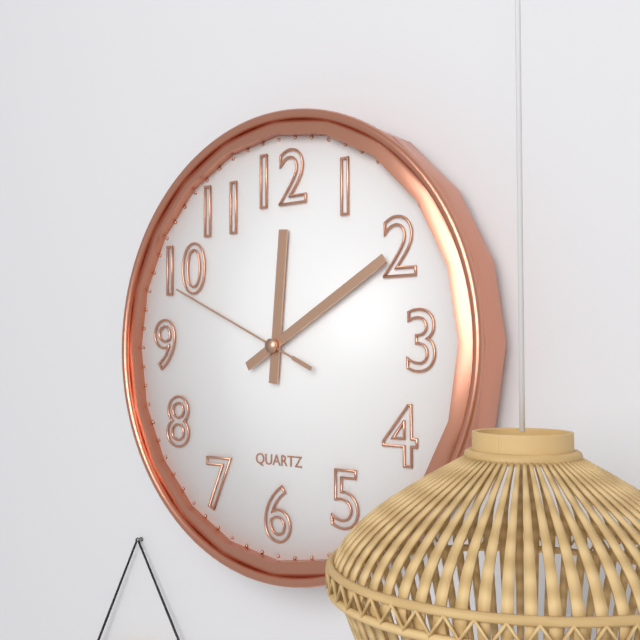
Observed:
12h10m49s
